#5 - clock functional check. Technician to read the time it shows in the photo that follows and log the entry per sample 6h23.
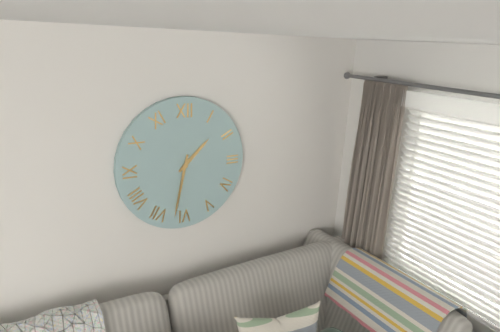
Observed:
1h32
